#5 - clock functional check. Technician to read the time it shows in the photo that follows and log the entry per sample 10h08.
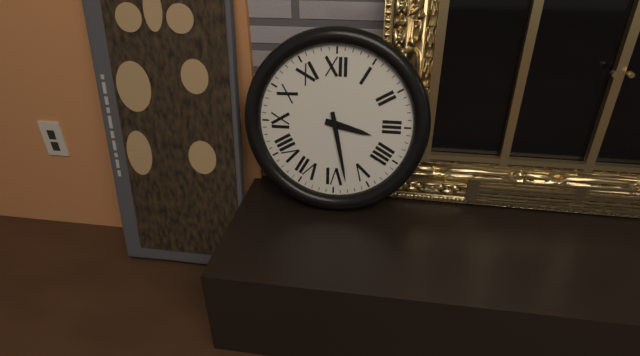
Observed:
3h28
